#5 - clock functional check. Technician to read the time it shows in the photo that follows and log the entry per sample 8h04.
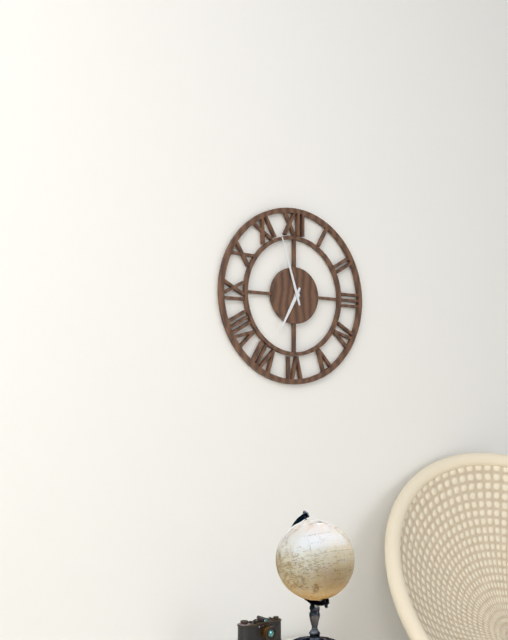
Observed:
6h57
